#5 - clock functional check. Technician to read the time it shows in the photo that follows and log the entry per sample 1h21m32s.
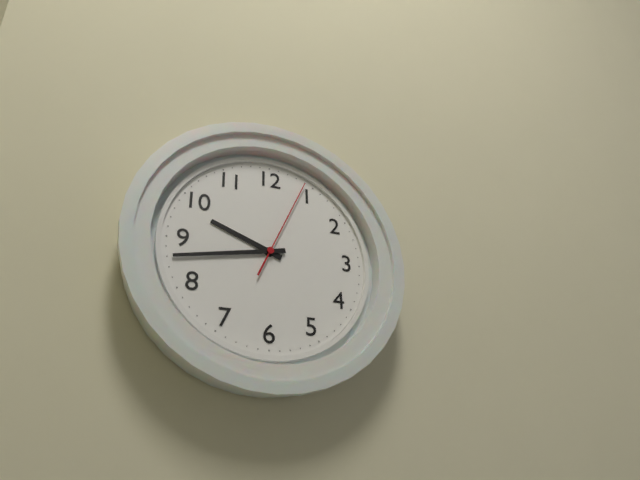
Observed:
9h43m04s
